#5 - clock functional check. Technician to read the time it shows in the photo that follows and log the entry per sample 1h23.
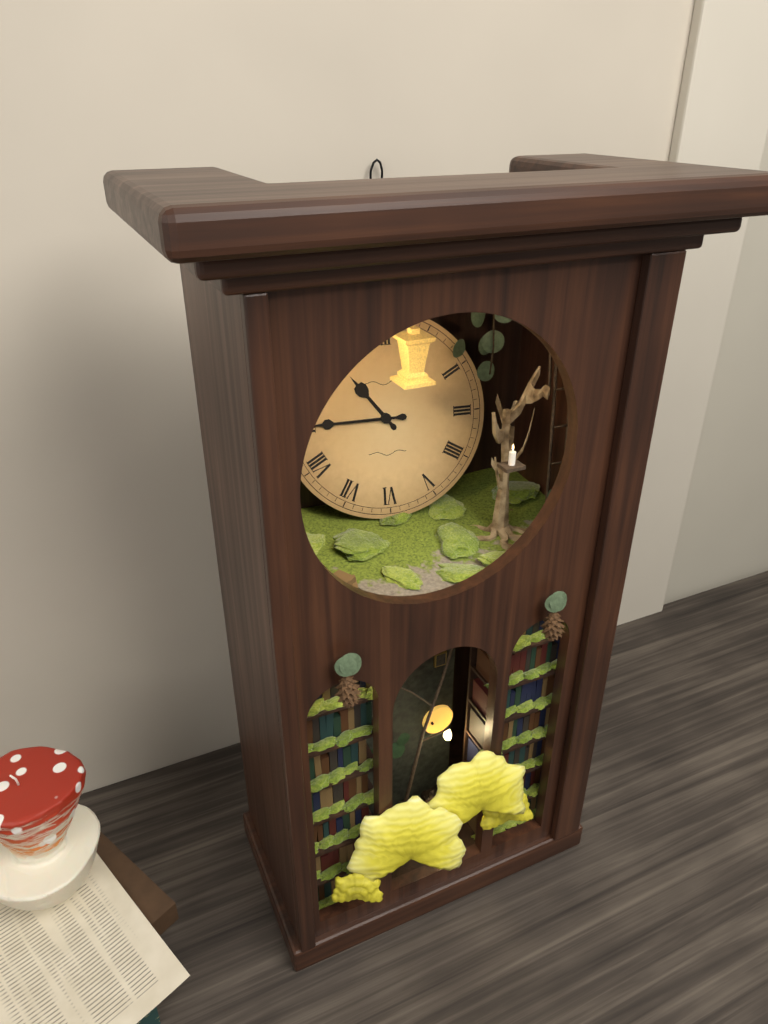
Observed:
10h45
